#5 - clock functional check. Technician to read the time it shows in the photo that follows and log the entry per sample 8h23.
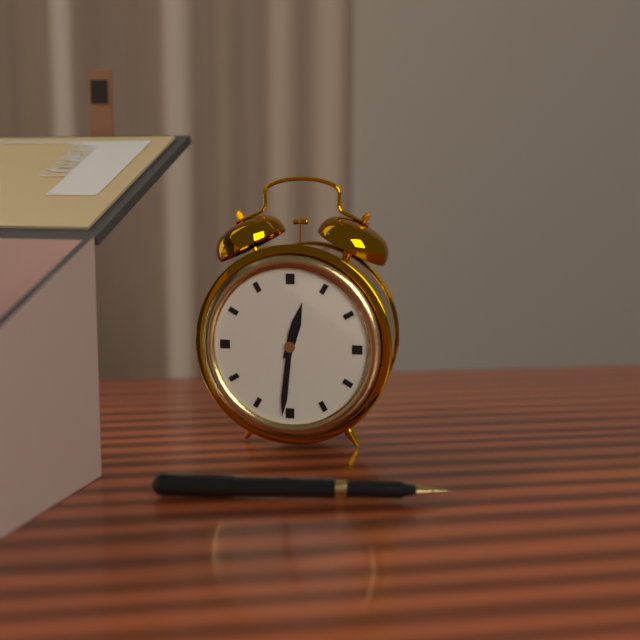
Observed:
12h31
